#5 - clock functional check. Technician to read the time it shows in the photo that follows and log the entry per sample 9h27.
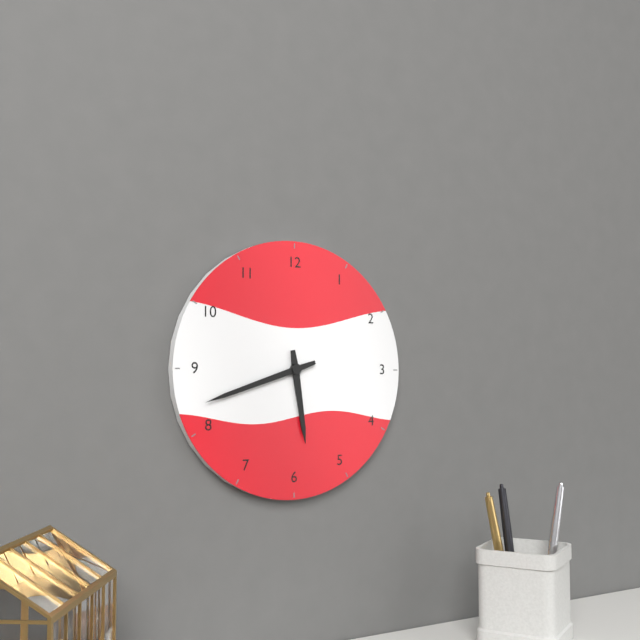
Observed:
5h42
